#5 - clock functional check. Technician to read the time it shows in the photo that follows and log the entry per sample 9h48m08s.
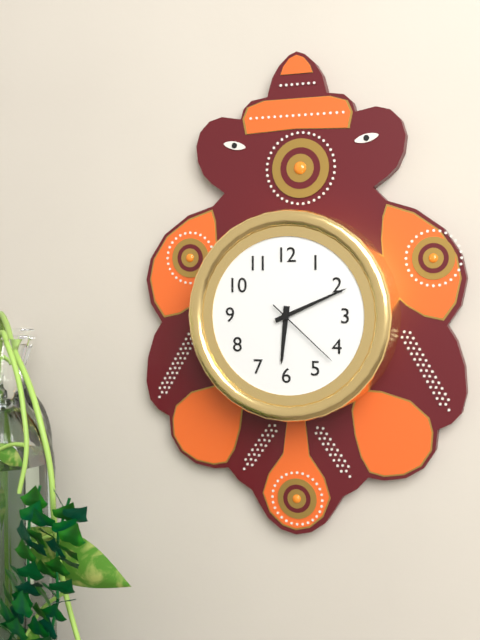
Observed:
6h11m22s
